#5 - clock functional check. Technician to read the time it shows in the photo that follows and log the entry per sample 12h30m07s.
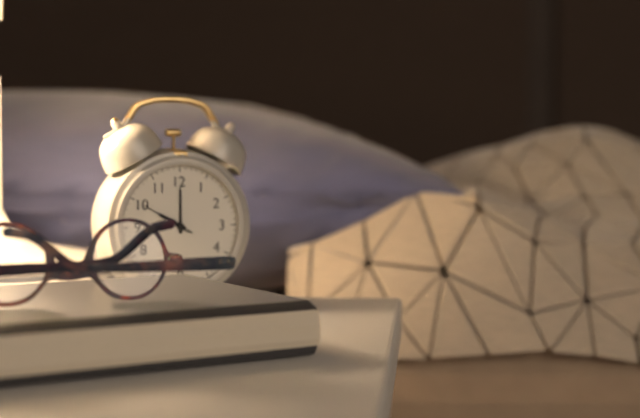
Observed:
10h00m50s
